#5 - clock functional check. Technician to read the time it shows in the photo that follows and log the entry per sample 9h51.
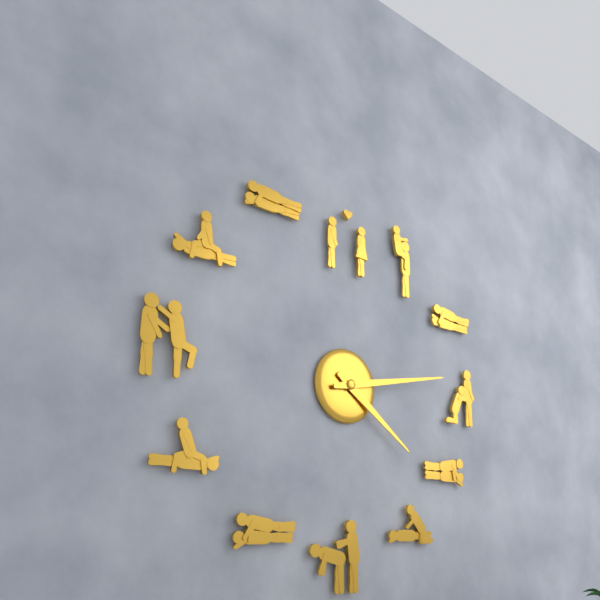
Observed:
4h13
